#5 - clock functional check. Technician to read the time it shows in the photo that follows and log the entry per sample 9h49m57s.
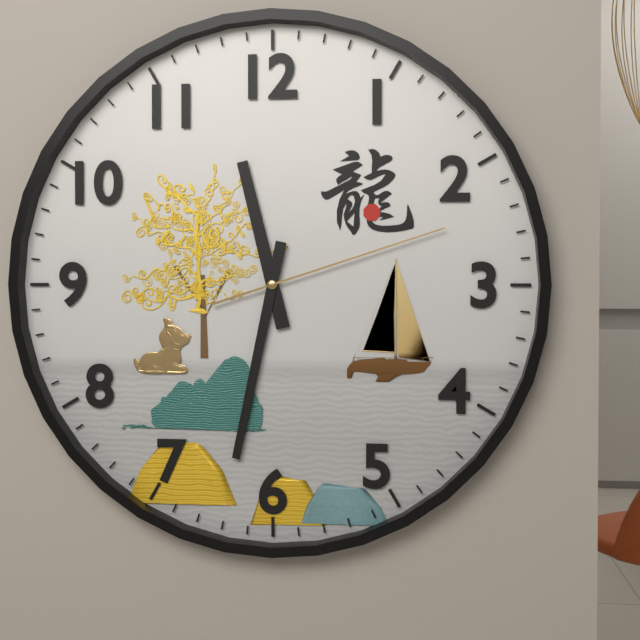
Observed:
11h32m12s
